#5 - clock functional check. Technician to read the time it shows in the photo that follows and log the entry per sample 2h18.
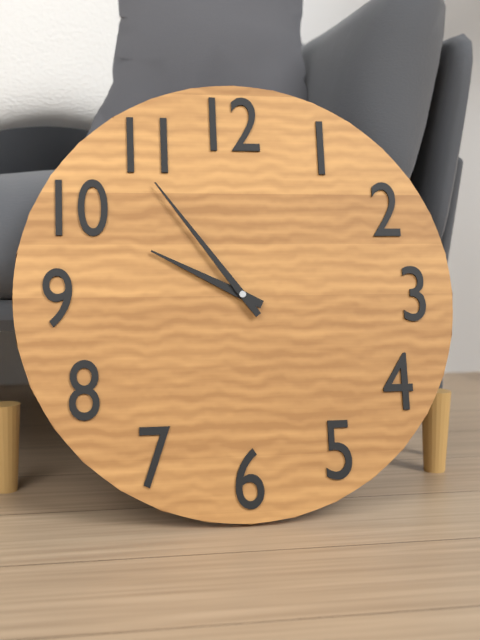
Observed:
9h54
